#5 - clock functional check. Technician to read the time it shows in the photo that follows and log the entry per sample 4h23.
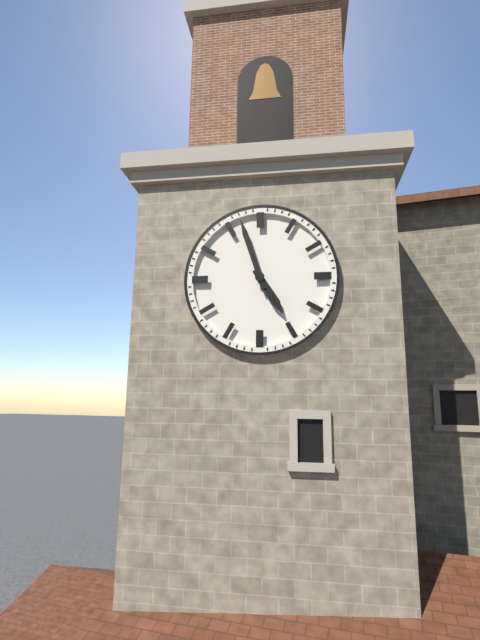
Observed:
4h57
